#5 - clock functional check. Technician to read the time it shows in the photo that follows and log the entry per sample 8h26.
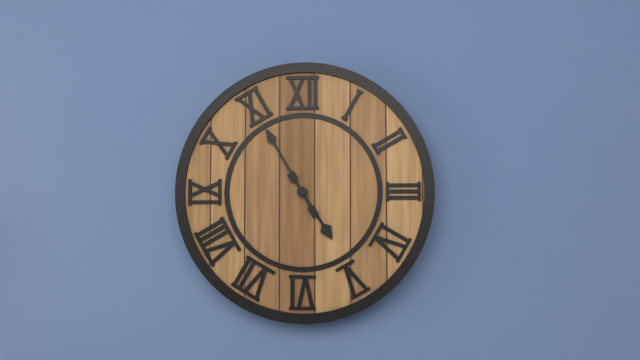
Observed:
4h55
